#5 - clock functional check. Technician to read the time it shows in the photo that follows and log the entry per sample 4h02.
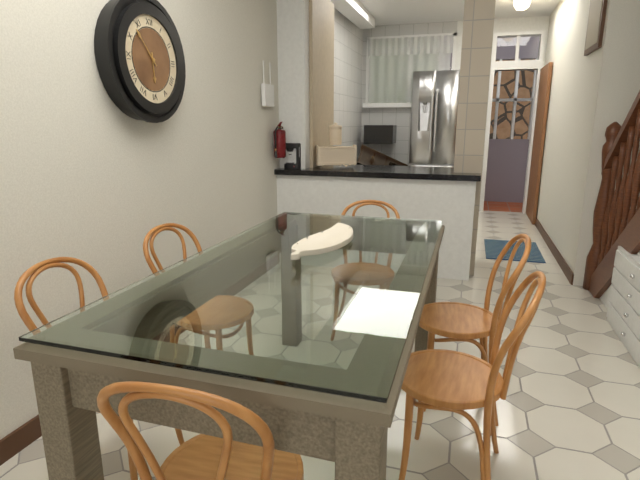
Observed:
5h53
